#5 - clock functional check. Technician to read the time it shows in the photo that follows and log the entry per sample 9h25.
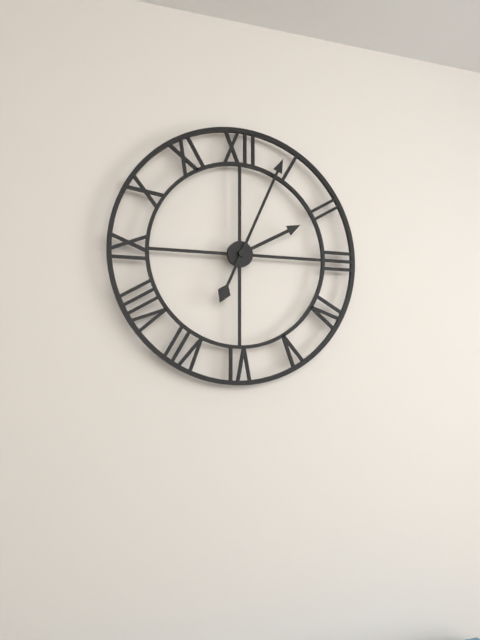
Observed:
2h04
